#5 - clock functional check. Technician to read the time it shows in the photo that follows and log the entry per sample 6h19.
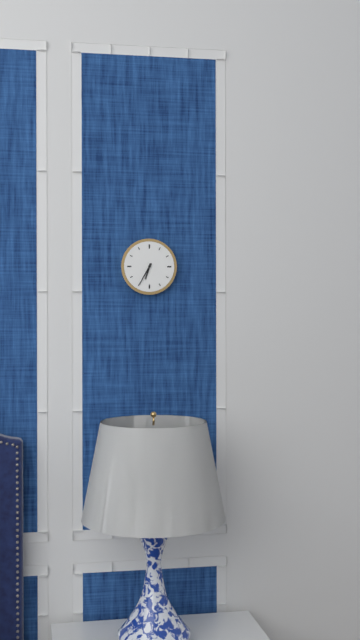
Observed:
6h35
